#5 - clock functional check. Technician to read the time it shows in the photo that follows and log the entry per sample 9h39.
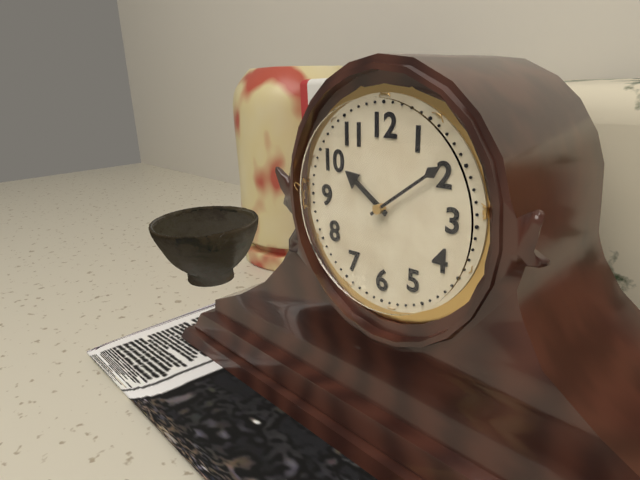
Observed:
10h09
